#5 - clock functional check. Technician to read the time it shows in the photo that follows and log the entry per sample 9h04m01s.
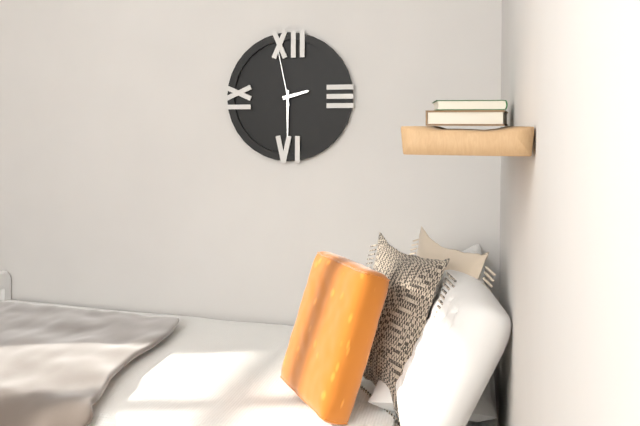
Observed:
2h30m58s
